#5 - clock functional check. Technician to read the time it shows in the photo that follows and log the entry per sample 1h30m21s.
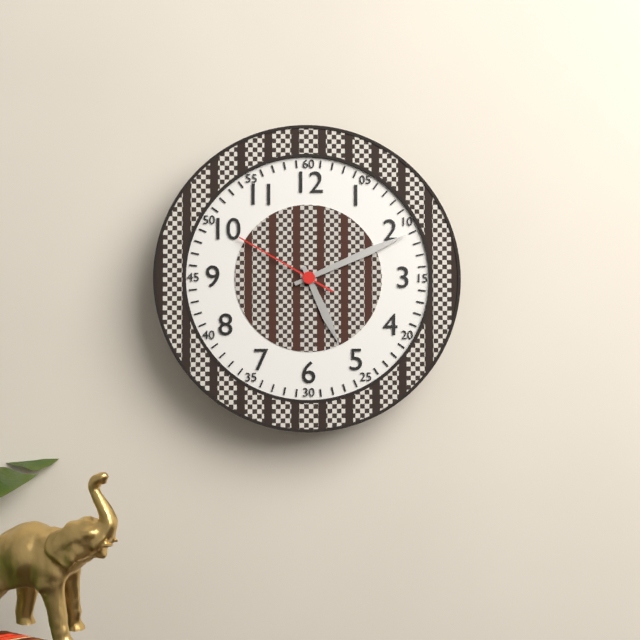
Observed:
5h11m50s
